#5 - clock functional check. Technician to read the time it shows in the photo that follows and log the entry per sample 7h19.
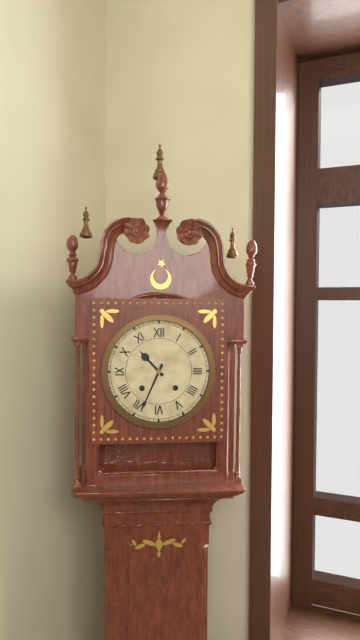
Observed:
10h34
